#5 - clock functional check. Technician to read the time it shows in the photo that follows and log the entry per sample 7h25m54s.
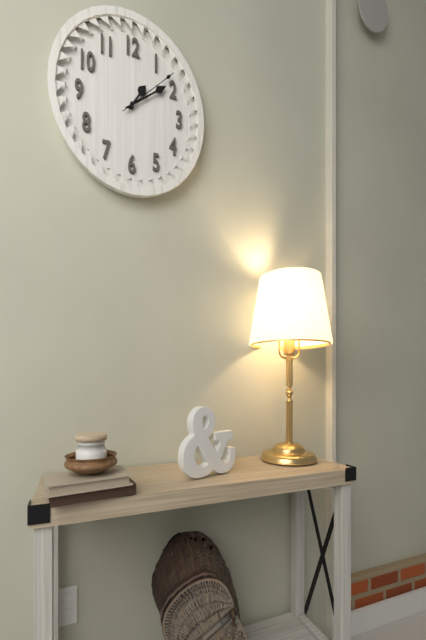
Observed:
1h09m08s
